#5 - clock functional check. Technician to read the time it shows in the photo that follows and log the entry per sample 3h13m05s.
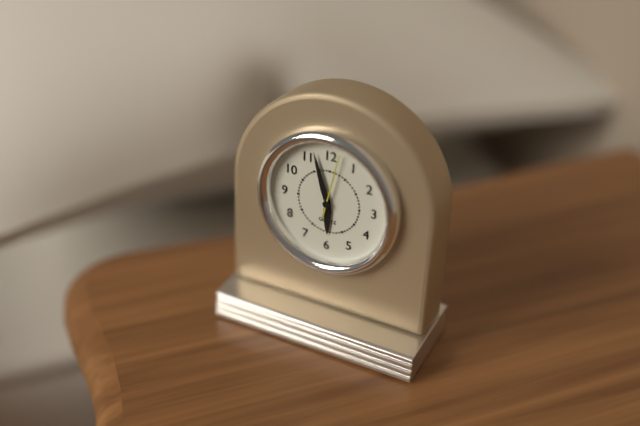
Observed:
5h57m02s
